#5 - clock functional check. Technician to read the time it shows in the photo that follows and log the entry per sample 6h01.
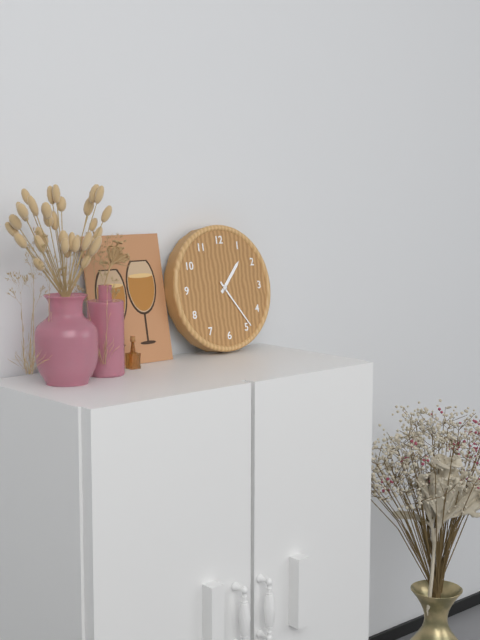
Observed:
1h24
